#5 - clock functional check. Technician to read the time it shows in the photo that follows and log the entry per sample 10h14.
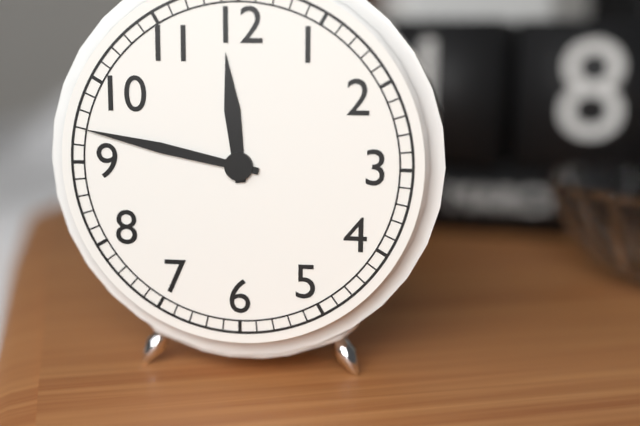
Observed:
11h47
